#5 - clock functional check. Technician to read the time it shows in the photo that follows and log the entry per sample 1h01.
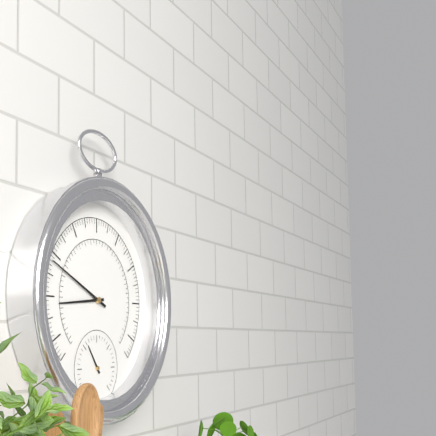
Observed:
8h49
